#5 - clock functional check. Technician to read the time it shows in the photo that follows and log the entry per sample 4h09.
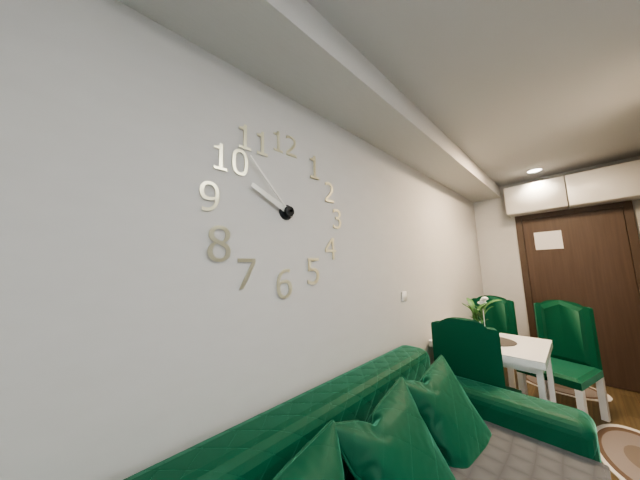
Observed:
9h53
